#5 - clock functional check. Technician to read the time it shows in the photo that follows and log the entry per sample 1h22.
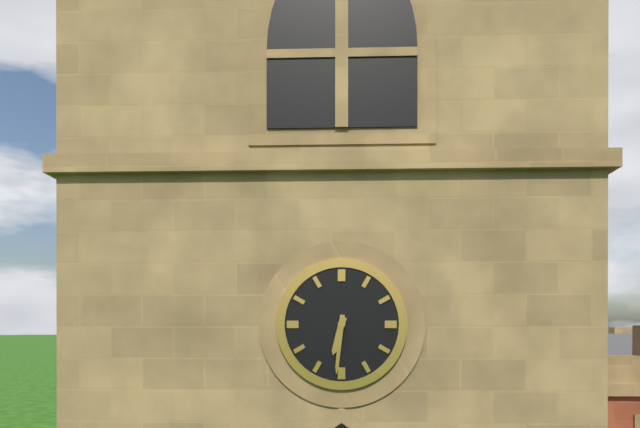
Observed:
6h31
